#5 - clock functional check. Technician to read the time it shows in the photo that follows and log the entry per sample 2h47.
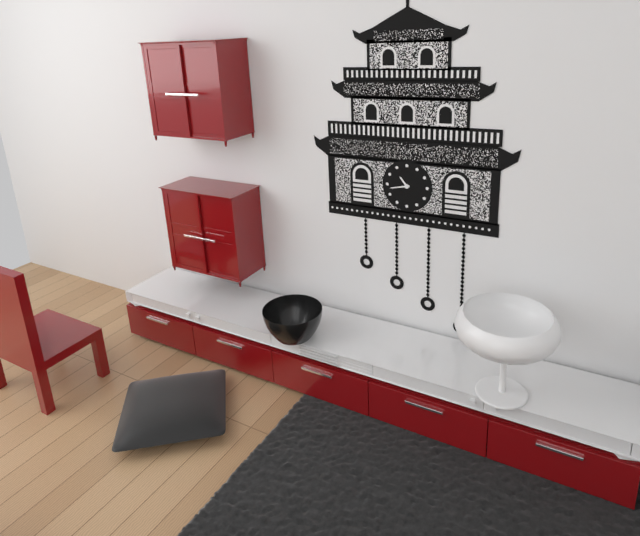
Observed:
10h43
